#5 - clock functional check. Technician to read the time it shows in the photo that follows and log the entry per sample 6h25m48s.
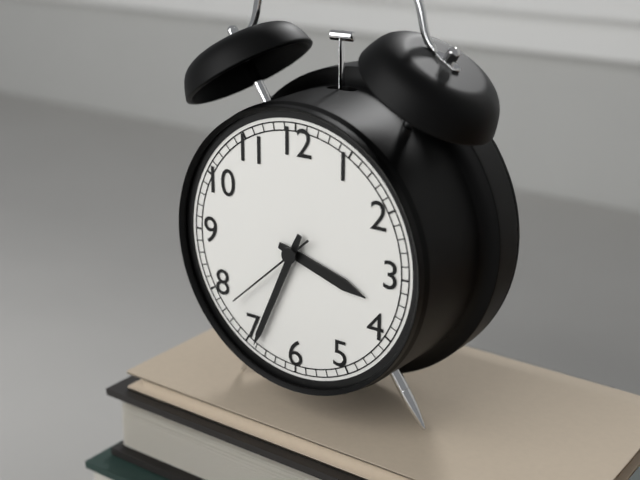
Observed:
3h34m38s
